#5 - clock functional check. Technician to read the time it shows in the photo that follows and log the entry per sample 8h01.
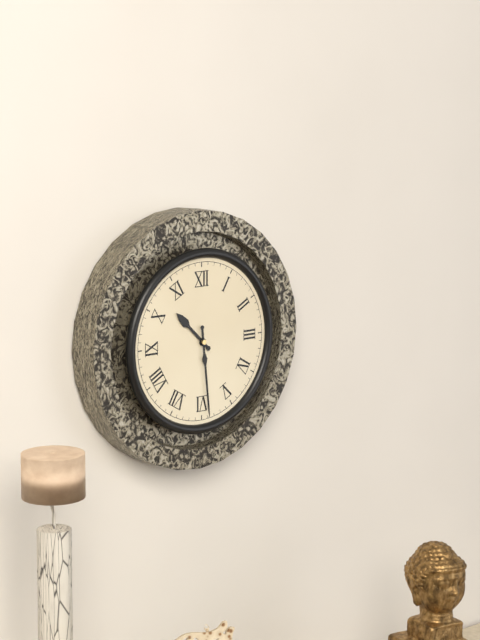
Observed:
10h29
